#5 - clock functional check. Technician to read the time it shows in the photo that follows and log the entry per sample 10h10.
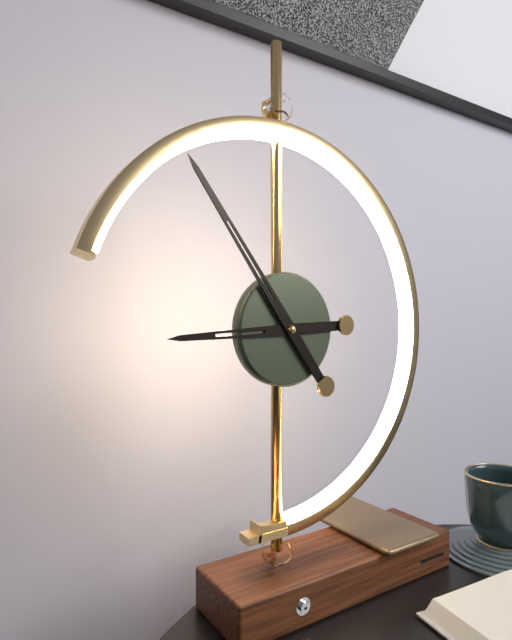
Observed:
8h54
